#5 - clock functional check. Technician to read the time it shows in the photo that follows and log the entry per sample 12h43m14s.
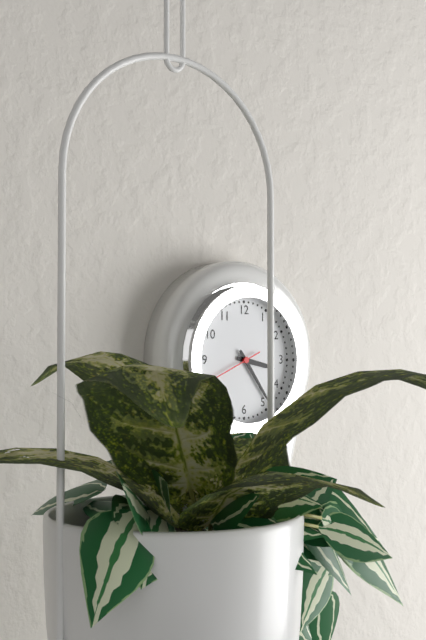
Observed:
3h24m41s
